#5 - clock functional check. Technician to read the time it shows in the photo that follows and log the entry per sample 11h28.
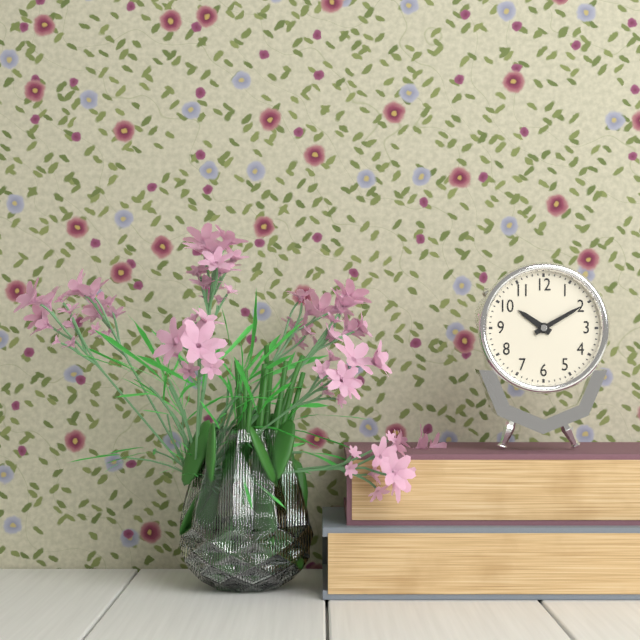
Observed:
10h10
